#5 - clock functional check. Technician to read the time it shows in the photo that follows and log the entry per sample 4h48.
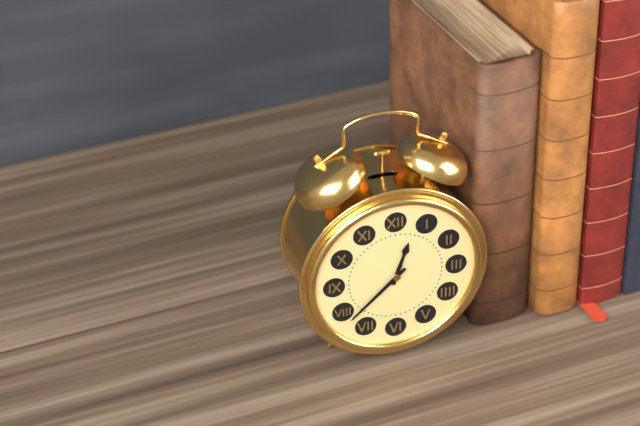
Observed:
12h38
